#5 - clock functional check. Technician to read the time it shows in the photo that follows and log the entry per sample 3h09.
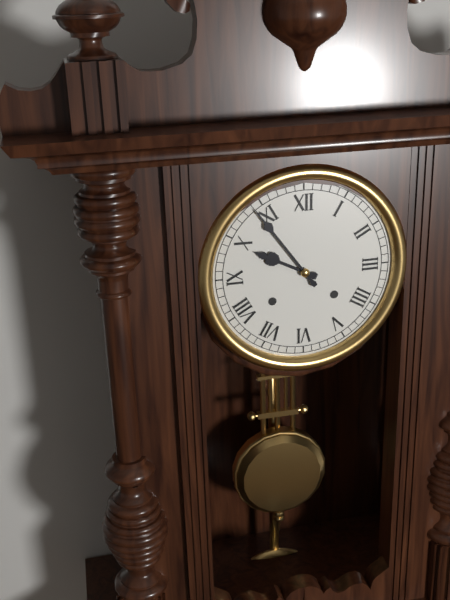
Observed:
9h54
